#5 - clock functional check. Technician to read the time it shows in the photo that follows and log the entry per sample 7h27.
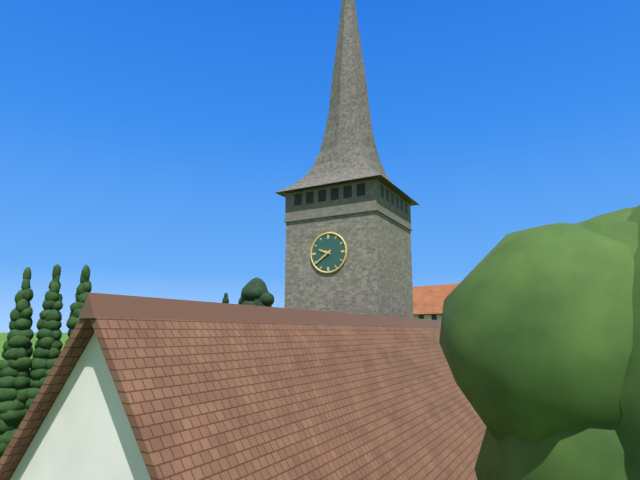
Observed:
9h39
